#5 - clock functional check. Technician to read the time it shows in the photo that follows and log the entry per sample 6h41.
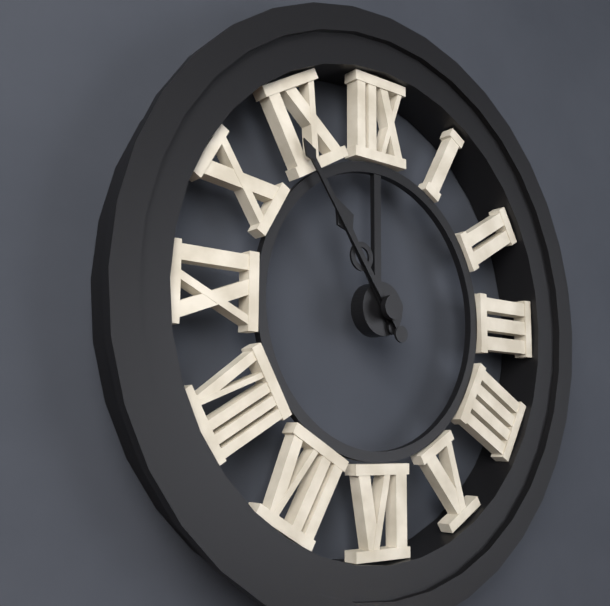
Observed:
10h54
